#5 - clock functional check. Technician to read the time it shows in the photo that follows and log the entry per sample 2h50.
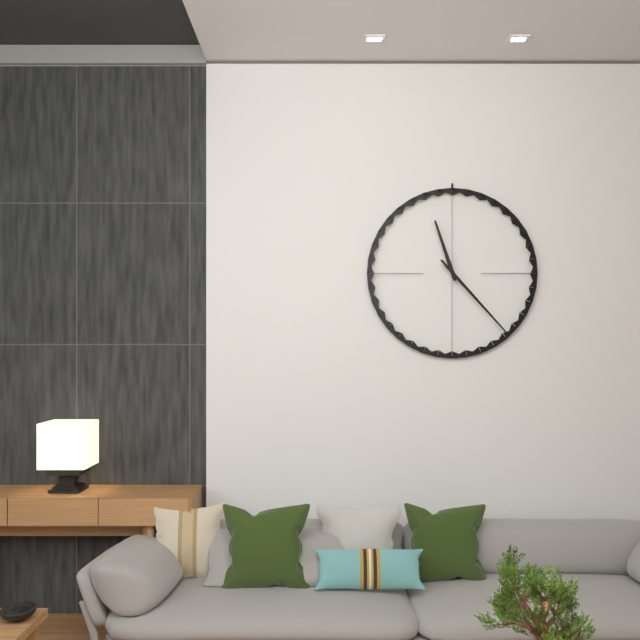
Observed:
11h23
